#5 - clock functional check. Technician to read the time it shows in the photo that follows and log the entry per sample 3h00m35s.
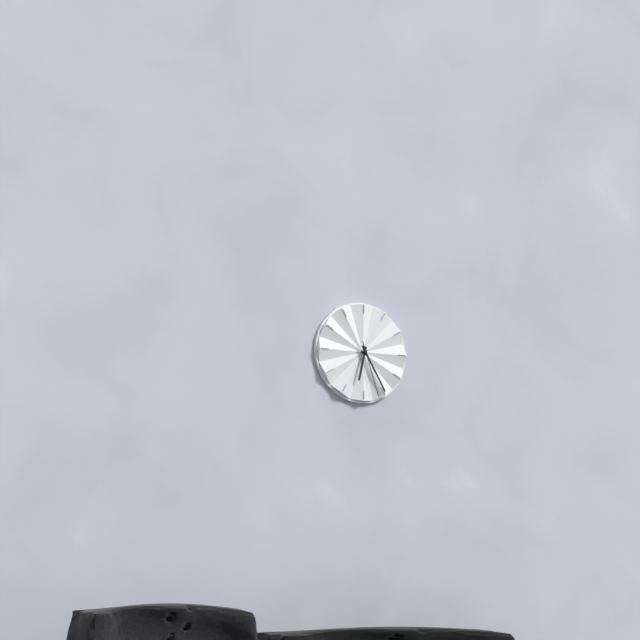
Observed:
6h25m27s
